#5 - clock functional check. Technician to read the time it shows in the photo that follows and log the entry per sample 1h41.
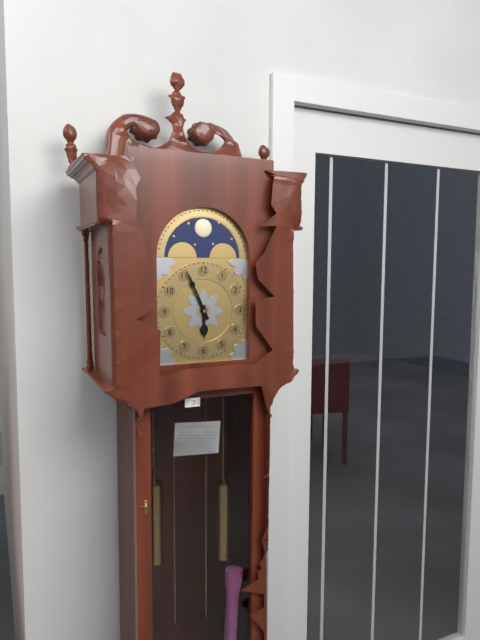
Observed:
5h56
